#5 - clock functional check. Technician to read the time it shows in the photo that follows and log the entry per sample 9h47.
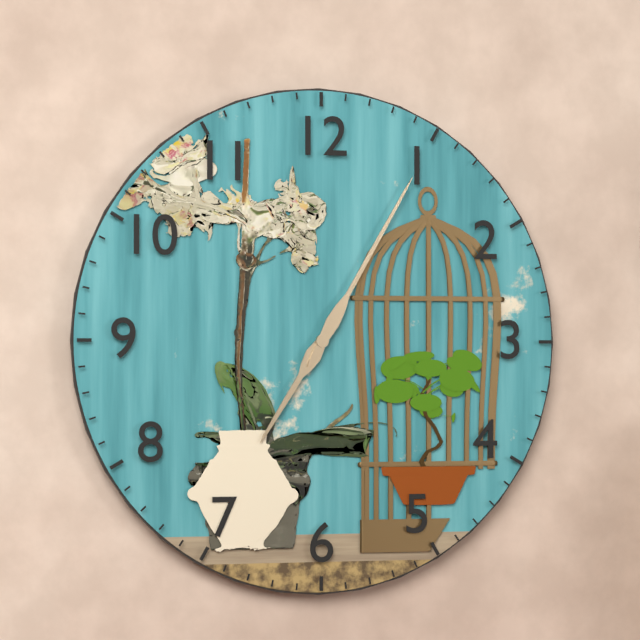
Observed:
7h05
